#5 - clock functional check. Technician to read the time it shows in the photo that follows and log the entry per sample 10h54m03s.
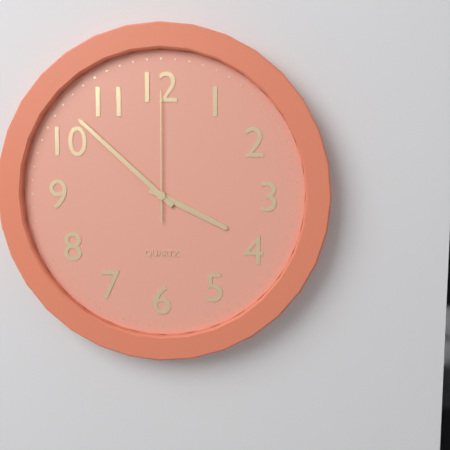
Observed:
3h52m00s
